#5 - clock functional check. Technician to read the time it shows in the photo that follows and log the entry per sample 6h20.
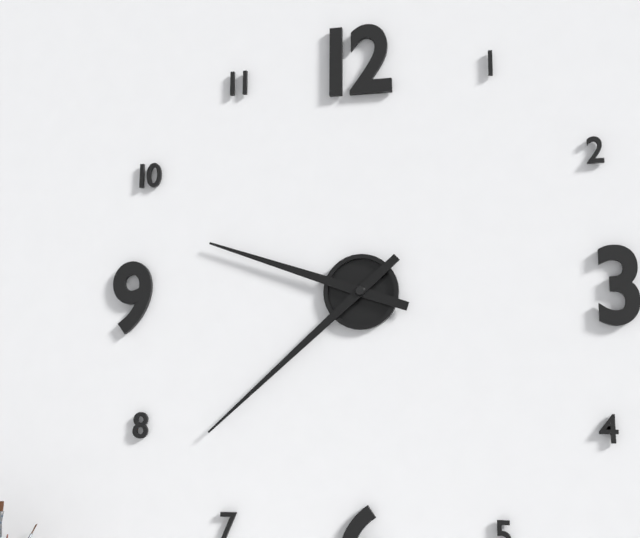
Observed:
9h38
